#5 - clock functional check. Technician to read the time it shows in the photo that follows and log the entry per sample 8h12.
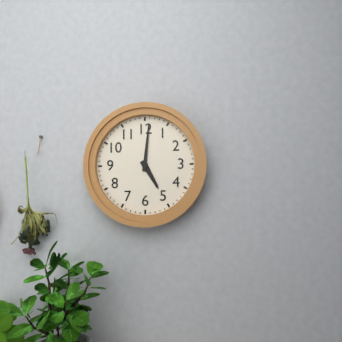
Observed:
5h01
